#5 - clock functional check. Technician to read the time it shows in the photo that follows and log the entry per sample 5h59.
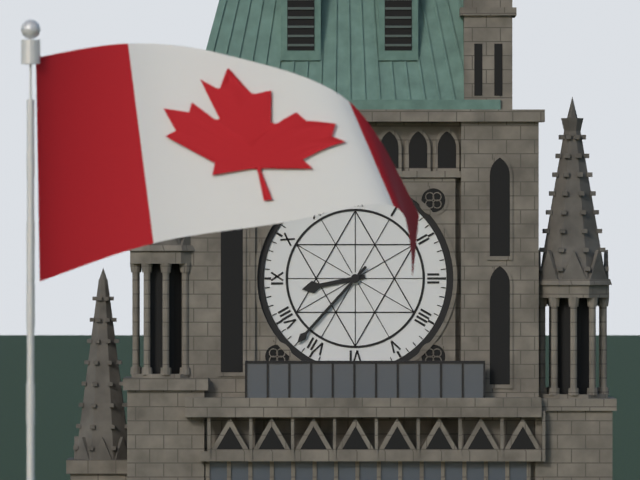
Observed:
8h37
